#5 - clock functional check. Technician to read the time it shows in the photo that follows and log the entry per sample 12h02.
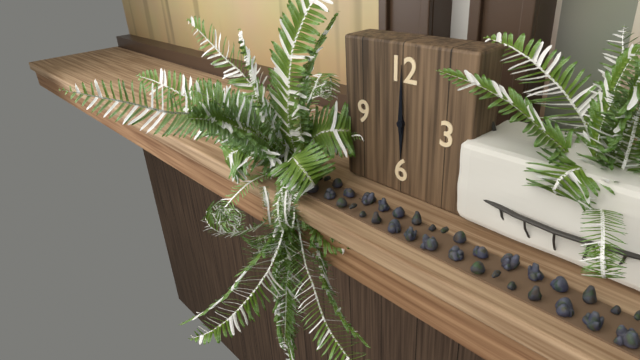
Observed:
6h00
